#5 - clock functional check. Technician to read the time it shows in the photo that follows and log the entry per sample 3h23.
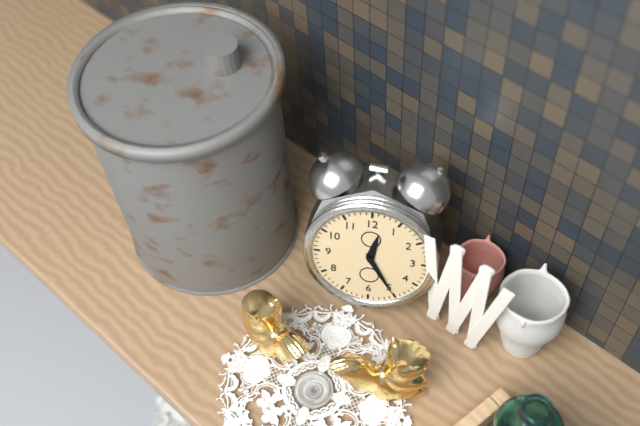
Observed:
12h25
